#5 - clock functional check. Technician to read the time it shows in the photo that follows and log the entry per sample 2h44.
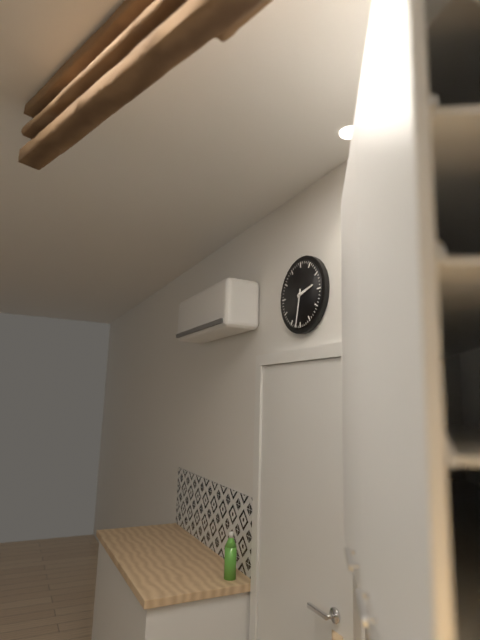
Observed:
2h32
